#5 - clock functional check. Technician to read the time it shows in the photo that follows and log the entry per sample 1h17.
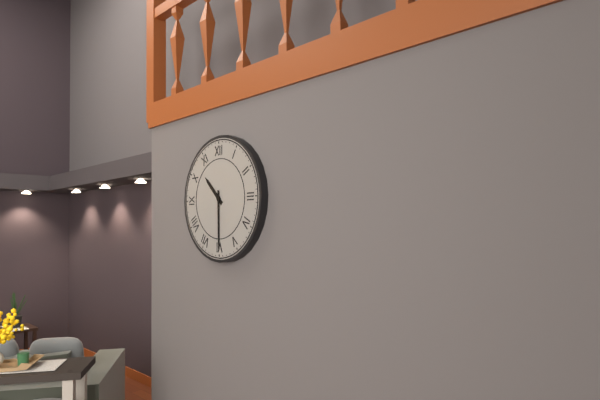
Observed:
10h30
